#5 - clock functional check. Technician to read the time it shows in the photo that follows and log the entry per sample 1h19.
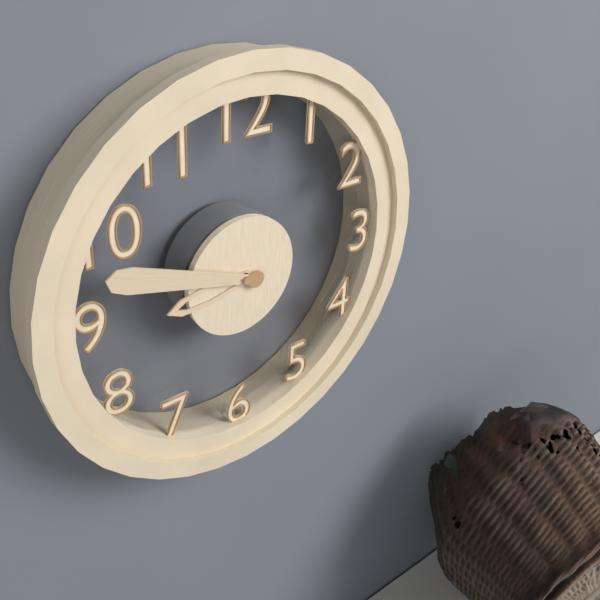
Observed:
8h48
